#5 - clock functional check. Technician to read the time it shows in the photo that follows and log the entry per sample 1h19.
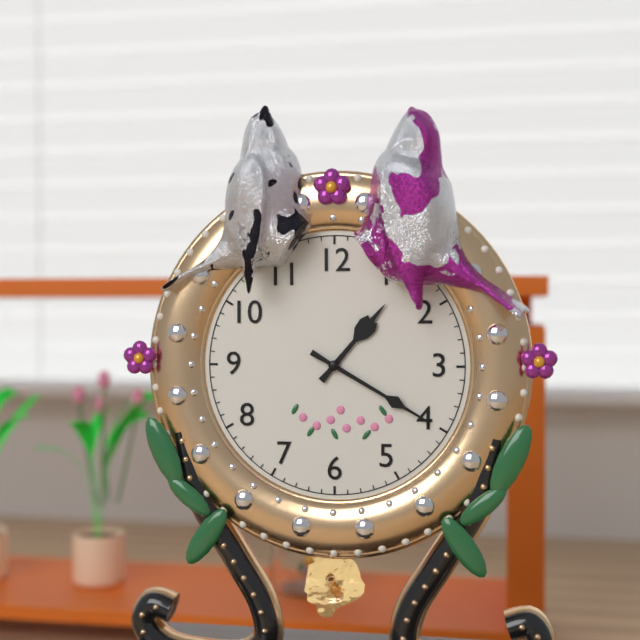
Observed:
1h20
